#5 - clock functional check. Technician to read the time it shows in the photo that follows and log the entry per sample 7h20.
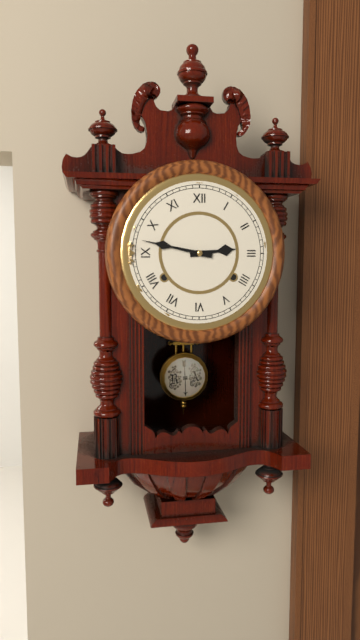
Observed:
2h47
